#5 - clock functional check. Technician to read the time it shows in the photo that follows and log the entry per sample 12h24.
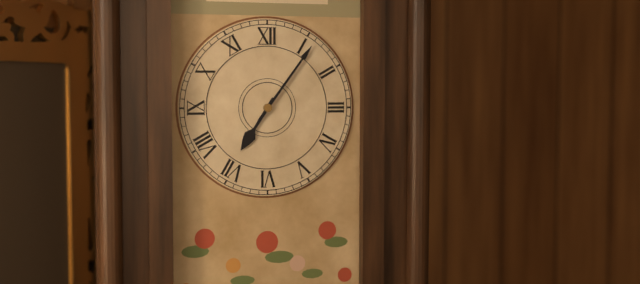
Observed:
7h06
